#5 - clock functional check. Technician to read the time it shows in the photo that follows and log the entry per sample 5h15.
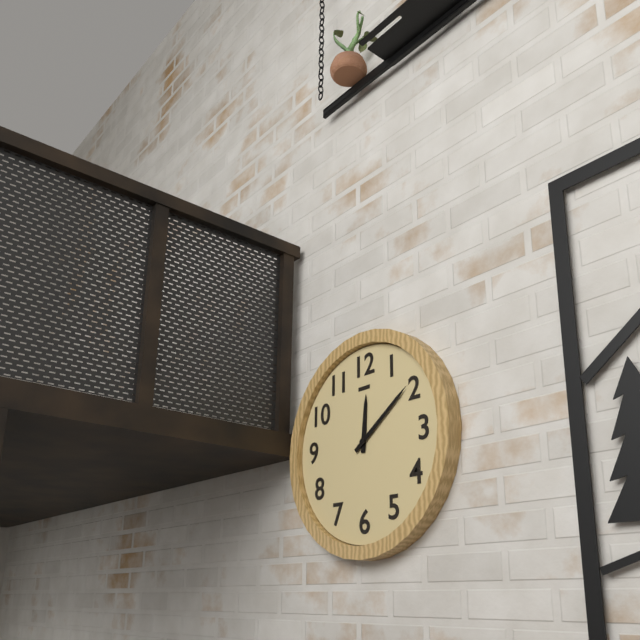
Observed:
12h09
